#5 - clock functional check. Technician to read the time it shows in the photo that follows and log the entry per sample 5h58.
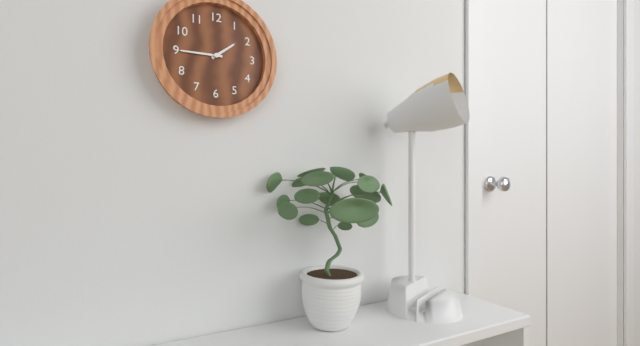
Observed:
1h45
